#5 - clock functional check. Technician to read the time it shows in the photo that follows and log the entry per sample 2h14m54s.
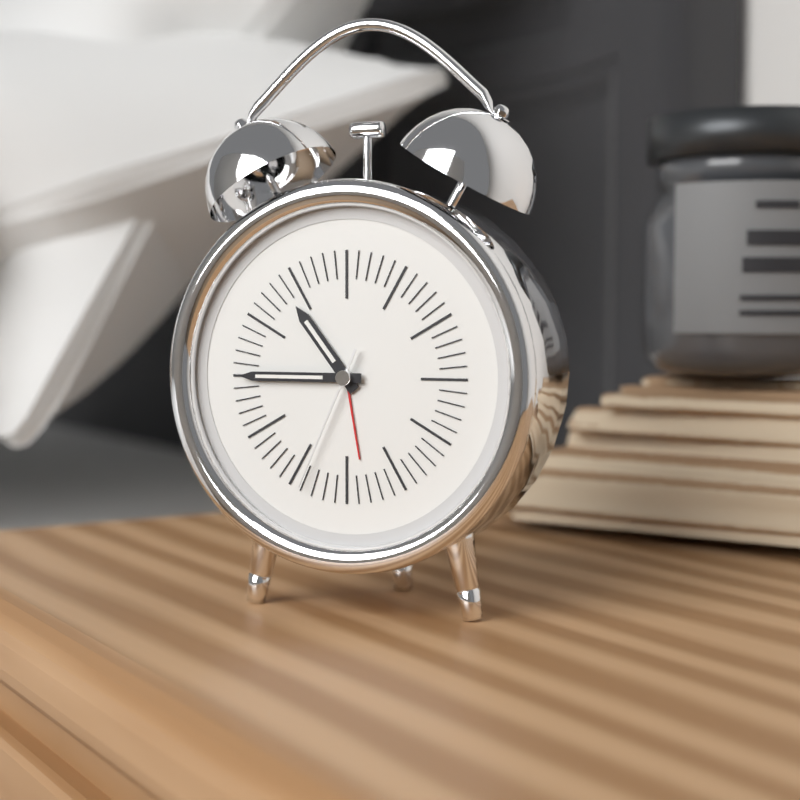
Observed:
10h45m34s
